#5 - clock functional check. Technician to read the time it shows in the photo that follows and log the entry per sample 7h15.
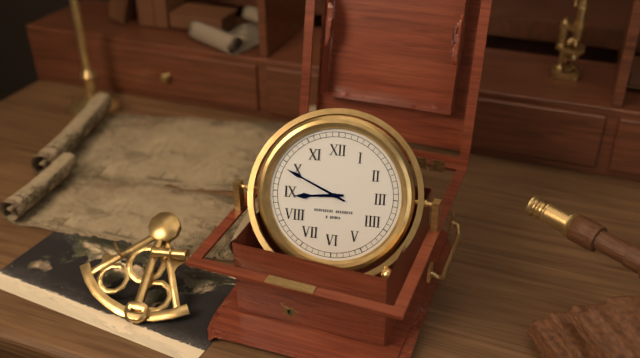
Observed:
8h49
